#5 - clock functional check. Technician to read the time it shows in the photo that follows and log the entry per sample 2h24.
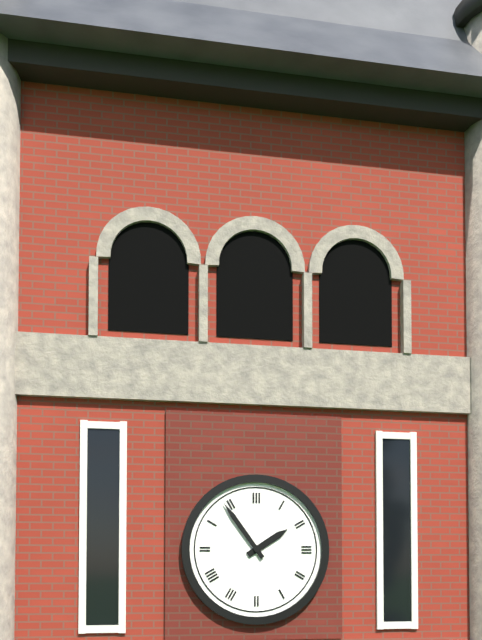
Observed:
1h54
